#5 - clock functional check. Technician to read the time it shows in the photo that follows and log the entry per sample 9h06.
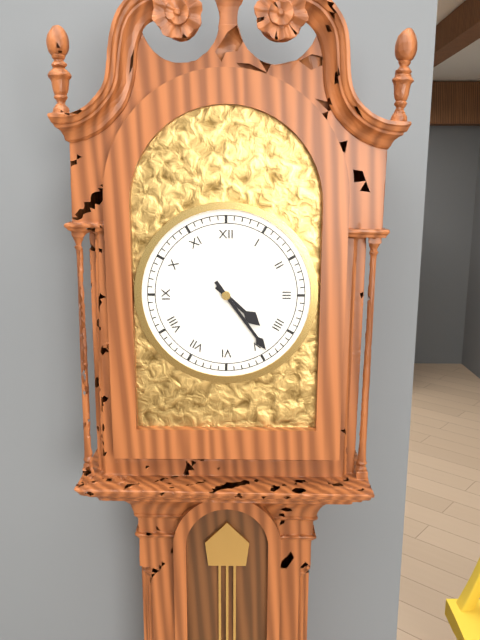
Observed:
4h24
